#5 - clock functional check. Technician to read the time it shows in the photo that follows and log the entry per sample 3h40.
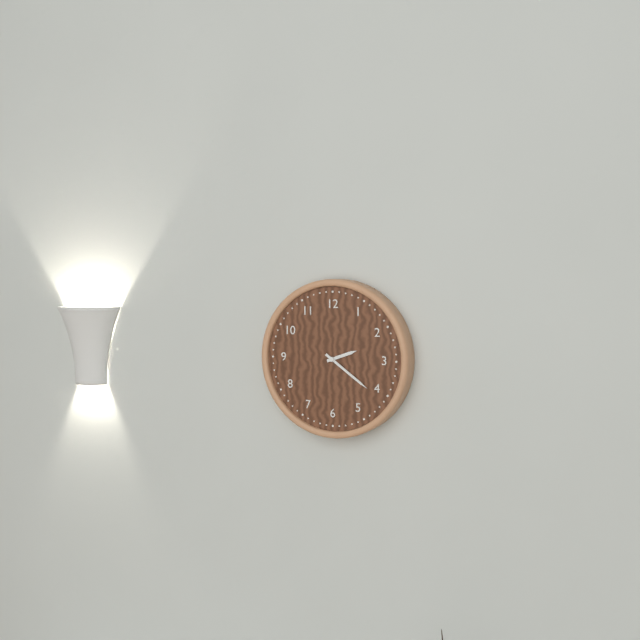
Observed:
2h21
